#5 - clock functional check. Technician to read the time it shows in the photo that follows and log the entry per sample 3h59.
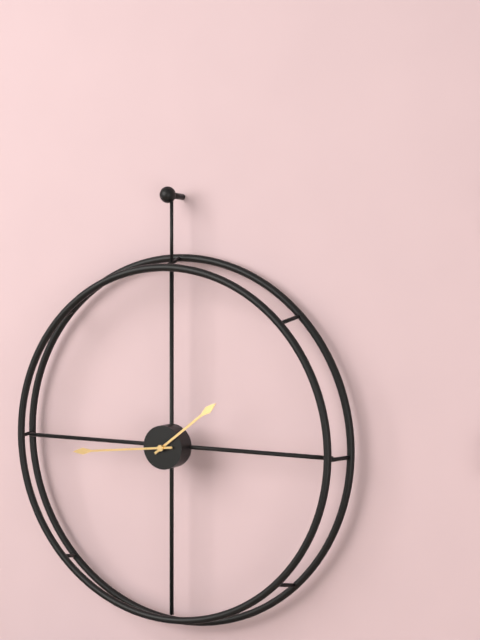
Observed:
1h44
